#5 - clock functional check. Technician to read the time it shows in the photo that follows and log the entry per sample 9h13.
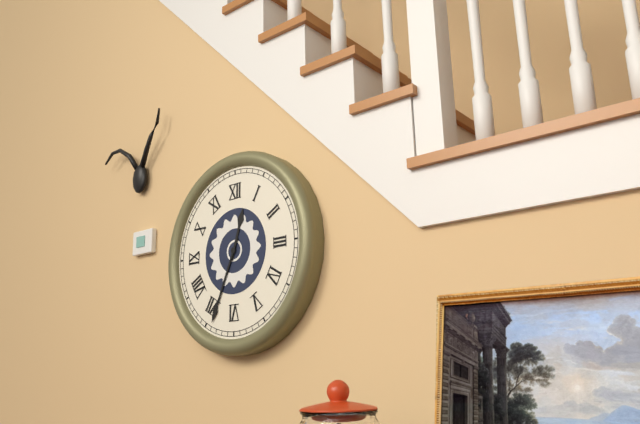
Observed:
12h34
